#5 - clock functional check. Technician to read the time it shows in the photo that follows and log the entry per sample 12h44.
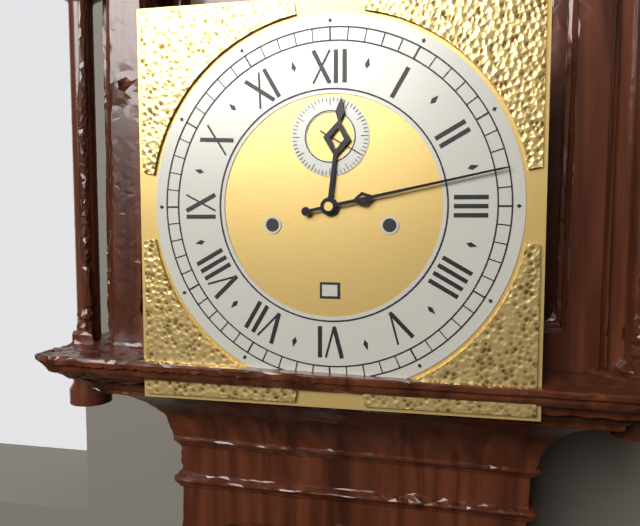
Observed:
12h13
